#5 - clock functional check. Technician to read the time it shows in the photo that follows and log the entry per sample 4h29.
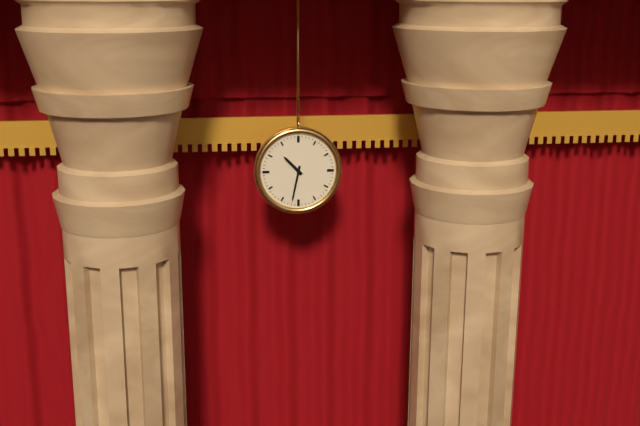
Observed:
10h32
